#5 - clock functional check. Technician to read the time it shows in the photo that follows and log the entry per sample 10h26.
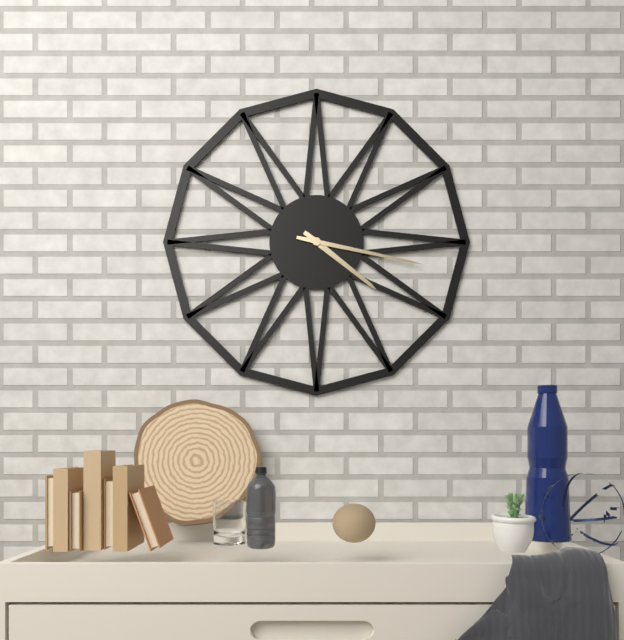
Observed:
4h17
